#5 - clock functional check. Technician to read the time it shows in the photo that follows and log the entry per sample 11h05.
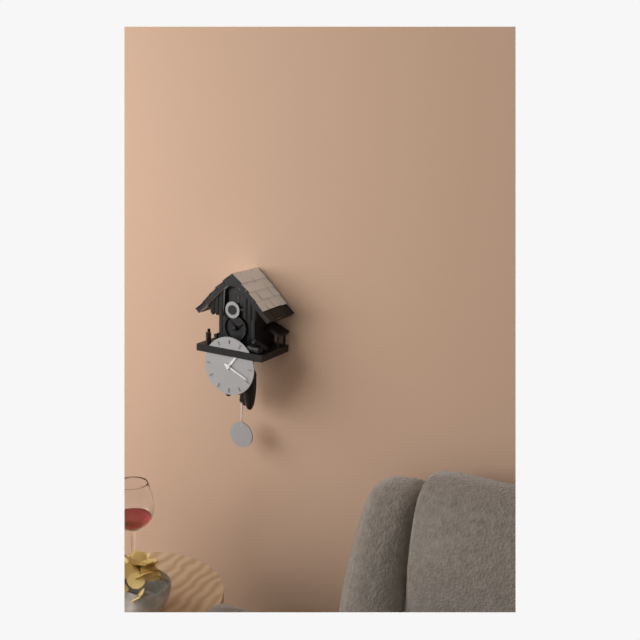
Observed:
1h19
